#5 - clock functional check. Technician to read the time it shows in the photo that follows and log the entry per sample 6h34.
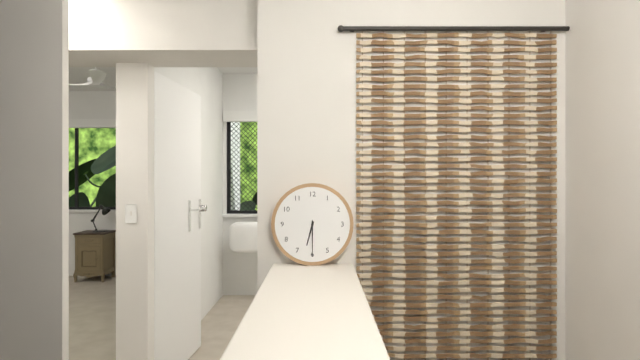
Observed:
6h30
